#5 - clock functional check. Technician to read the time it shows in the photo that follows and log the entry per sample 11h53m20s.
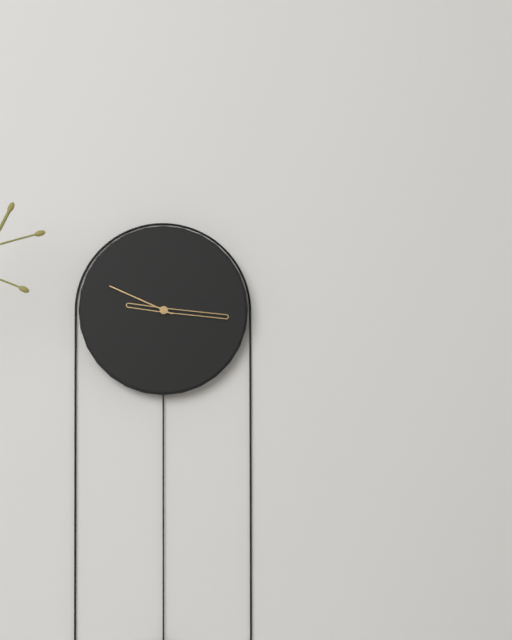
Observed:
9h16m49s
